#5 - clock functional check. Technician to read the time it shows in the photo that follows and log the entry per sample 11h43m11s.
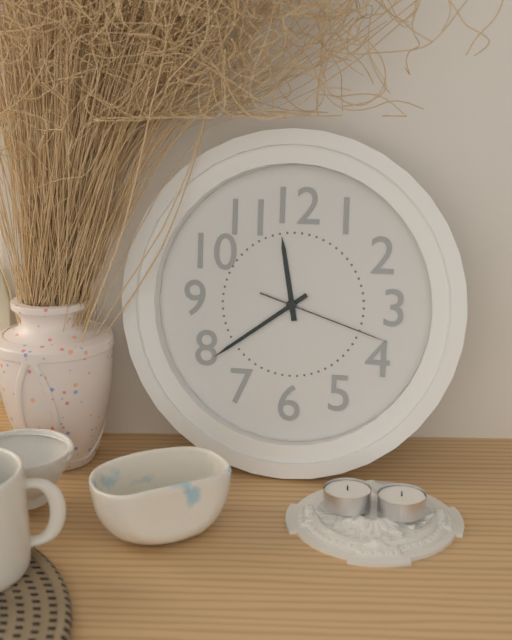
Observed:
11h39m18s
